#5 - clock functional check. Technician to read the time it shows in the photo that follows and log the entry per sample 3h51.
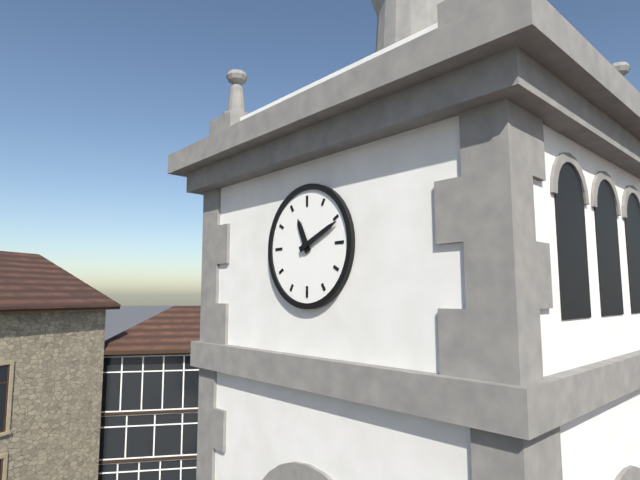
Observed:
11h11
